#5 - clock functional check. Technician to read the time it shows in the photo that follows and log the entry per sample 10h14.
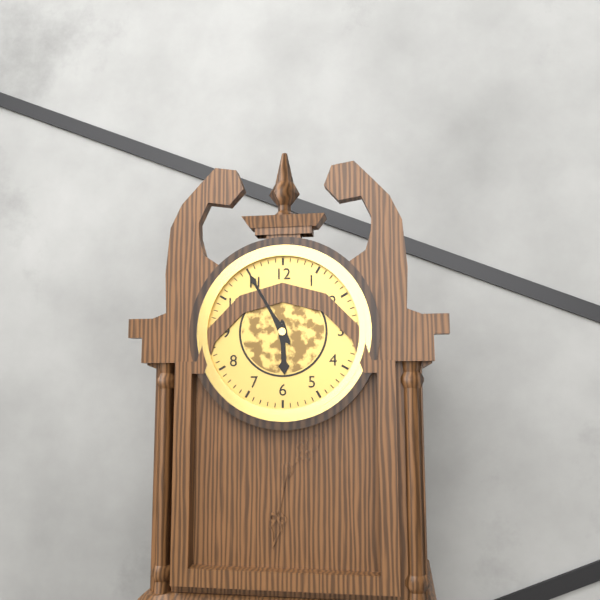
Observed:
5h55
